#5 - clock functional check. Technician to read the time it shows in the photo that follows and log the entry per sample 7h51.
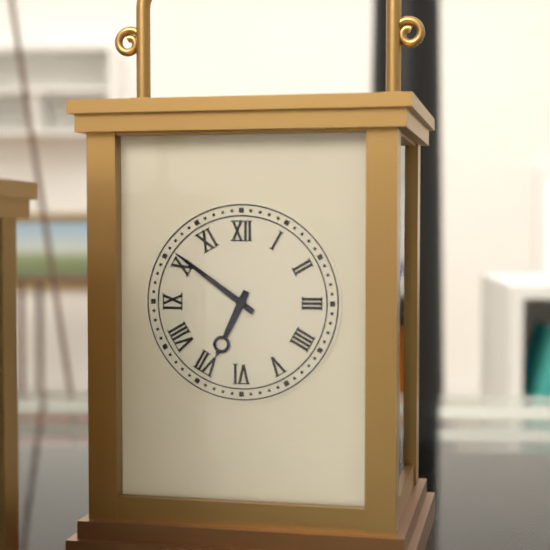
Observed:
6h51
